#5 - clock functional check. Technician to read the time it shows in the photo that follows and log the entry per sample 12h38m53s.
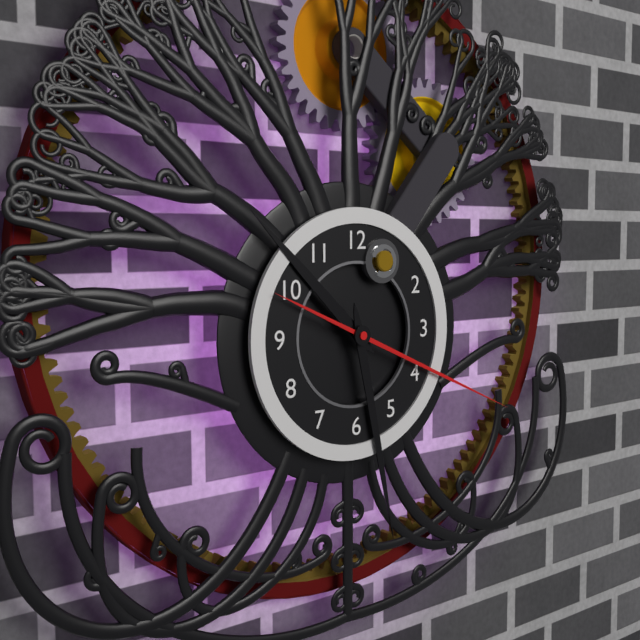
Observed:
10h28m19s
